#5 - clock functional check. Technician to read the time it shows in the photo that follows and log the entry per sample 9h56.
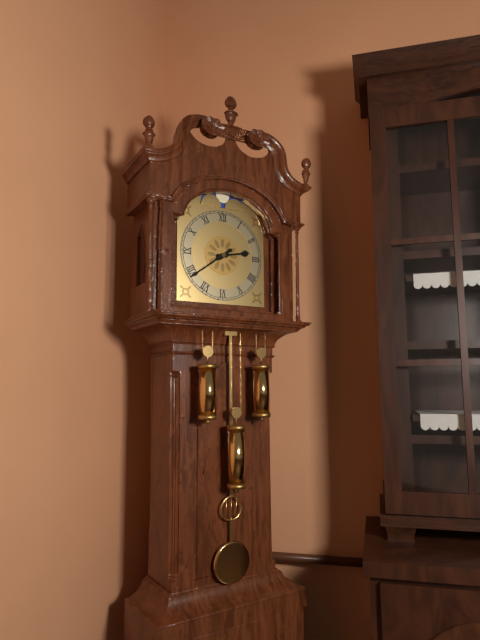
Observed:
2h39
